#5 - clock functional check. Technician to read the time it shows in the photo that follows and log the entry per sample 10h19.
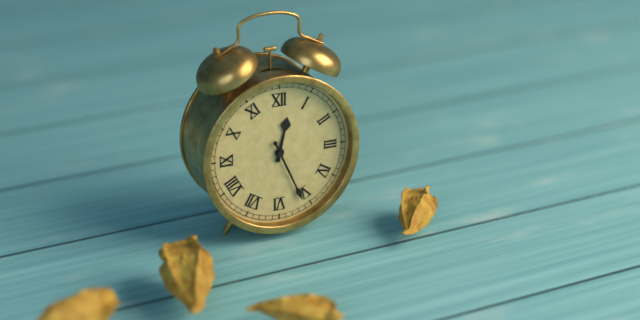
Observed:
12h26
